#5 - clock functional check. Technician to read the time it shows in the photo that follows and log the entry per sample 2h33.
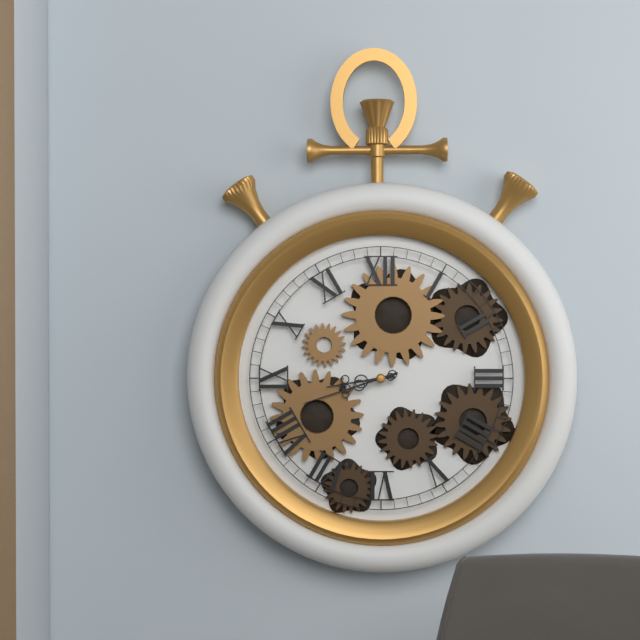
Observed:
8h42
